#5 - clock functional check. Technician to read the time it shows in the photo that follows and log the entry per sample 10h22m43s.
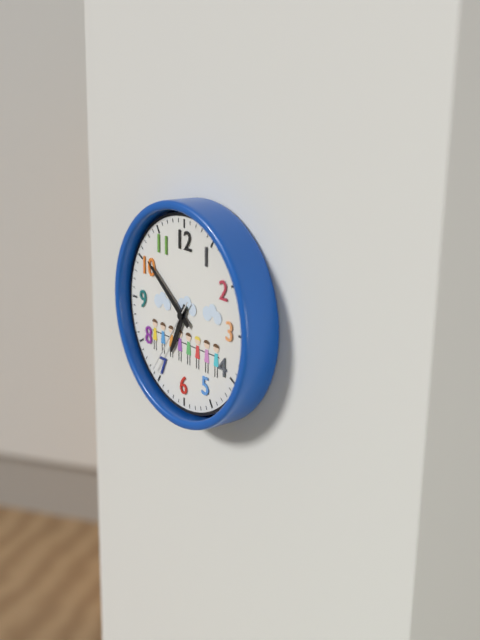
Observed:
6h51m36s
